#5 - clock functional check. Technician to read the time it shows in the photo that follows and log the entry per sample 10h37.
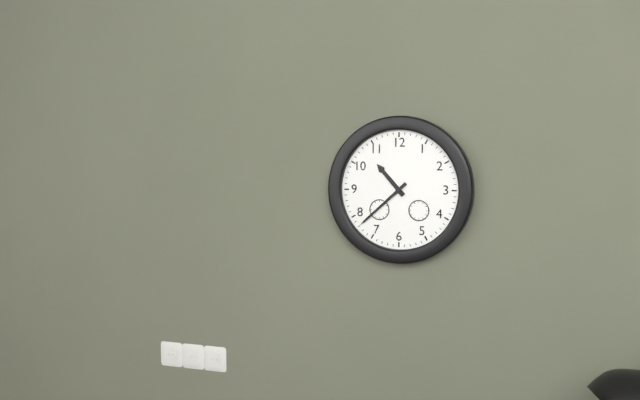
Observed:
10h38
